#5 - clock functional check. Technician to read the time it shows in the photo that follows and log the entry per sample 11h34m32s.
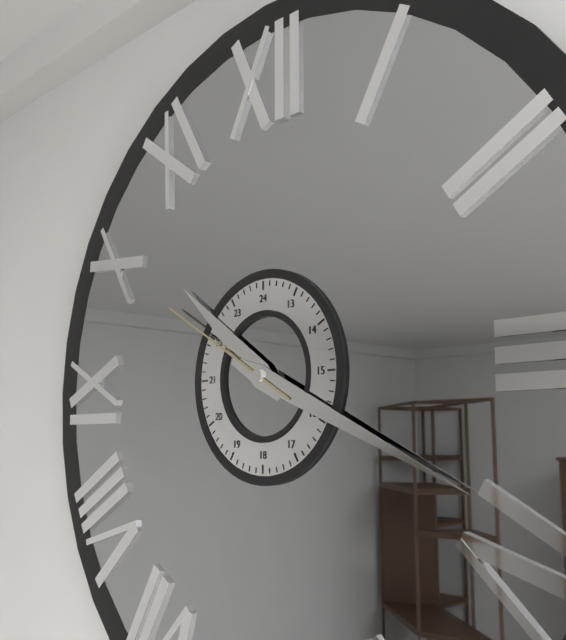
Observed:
10h19m50s
